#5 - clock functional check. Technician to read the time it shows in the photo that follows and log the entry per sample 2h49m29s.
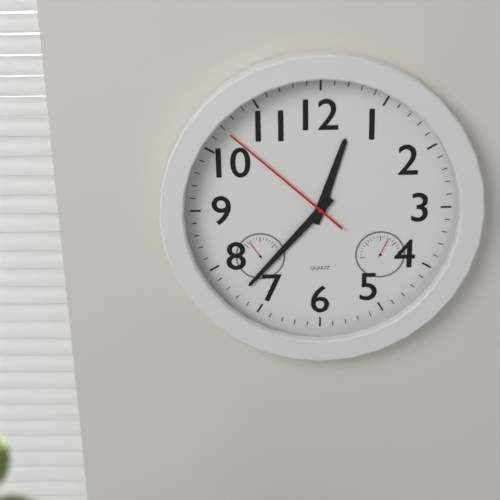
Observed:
12h37m52s
